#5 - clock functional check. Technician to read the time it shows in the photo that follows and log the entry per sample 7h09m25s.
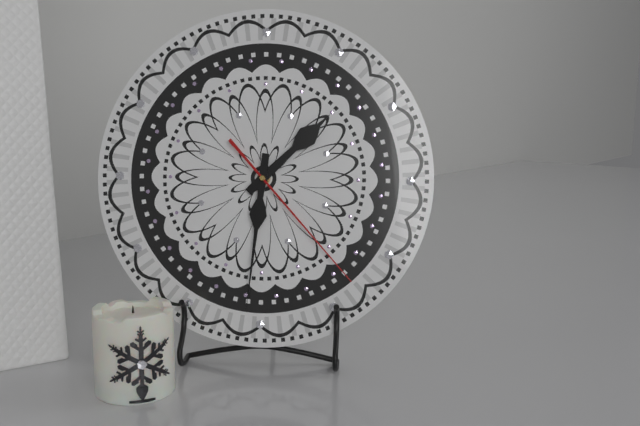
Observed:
1h31m23s
